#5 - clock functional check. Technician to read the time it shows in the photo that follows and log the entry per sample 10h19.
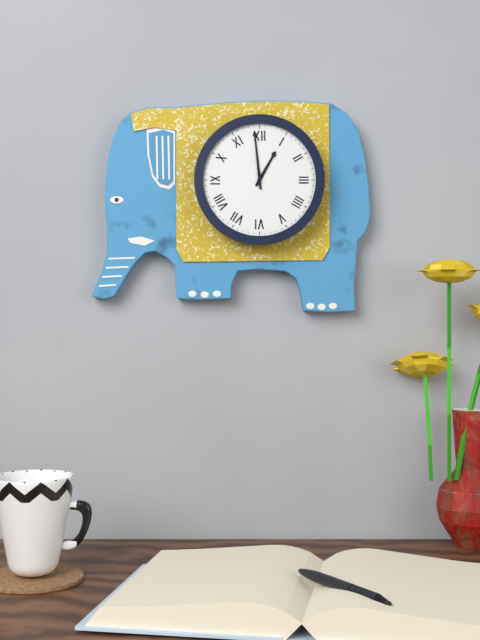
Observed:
12h59
